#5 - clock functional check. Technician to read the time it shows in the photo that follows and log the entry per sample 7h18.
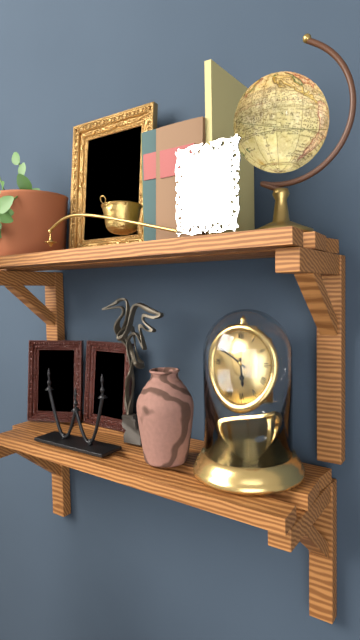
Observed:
5h50
